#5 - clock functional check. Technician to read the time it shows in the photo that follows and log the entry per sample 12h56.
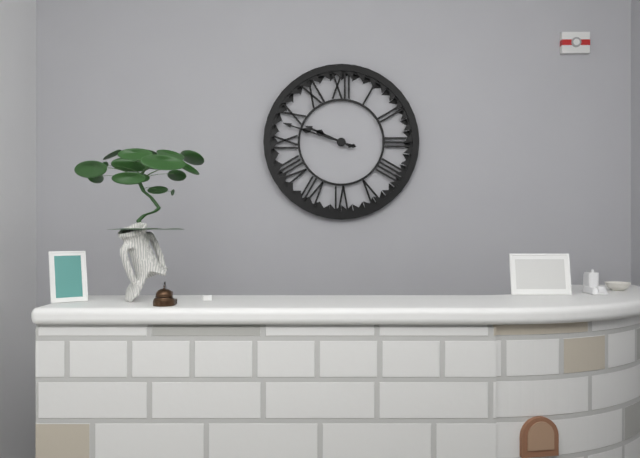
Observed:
9h48
